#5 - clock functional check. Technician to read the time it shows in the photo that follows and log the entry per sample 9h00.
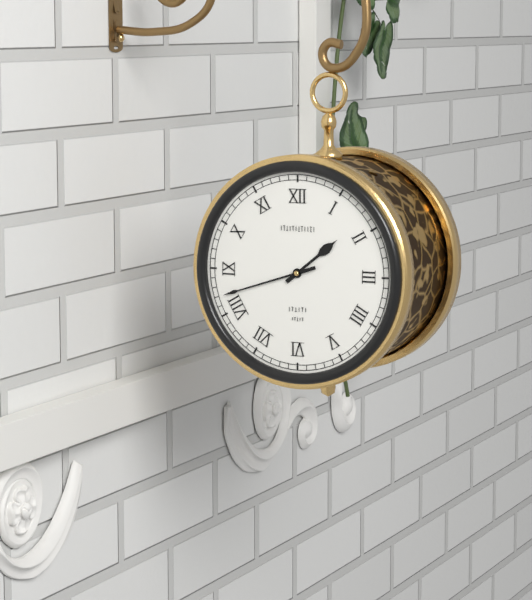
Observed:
1h42
